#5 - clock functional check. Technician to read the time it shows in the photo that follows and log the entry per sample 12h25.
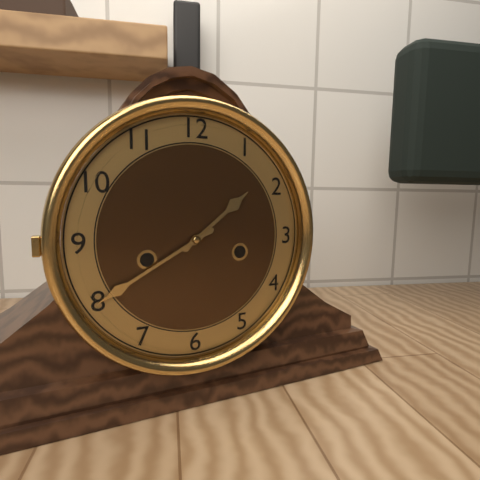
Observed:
1h40
